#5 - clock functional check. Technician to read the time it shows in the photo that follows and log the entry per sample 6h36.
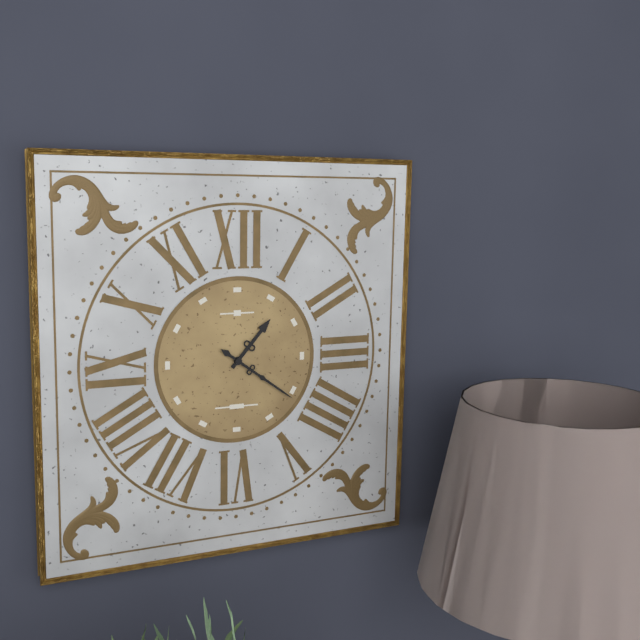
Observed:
1h21
